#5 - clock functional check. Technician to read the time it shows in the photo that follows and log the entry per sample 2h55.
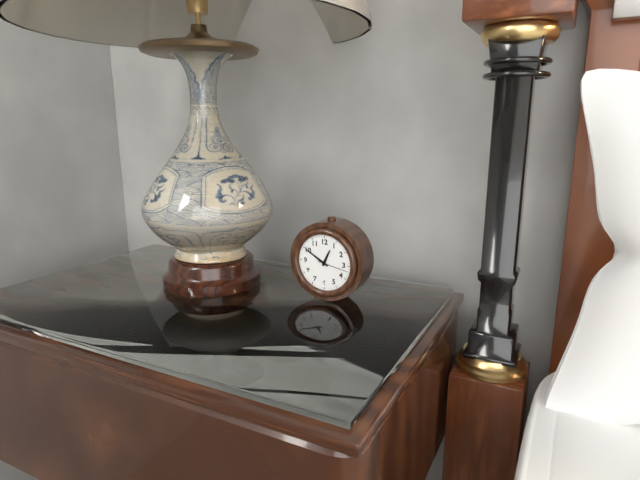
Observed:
12h50
